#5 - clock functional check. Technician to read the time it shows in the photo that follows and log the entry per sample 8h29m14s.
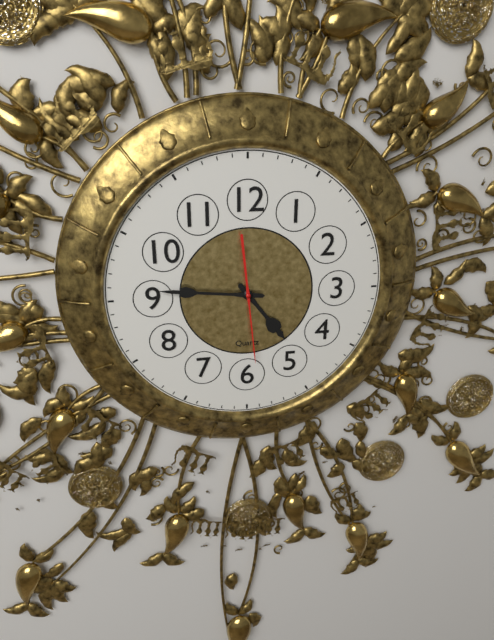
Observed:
4h46m29s
